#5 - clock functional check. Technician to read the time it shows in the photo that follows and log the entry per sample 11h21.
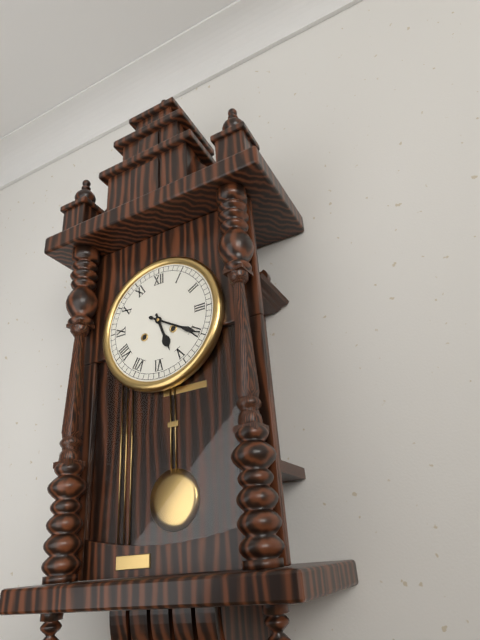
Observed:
5h20
